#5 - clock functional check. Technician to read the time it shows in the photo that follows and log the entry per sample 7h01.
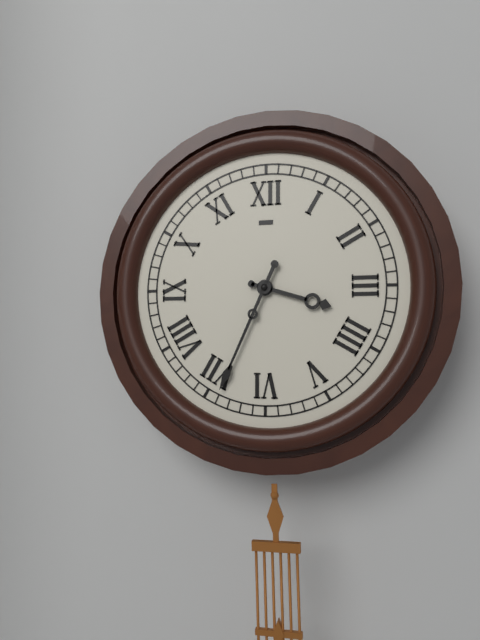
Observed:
3h34
